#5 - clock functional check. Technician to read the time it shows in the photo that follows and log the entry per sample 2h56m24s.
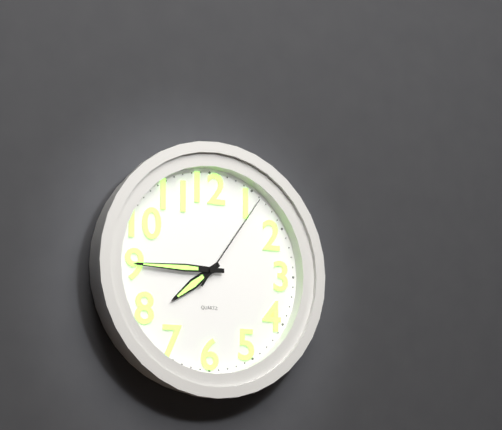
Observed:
7h45m06s
